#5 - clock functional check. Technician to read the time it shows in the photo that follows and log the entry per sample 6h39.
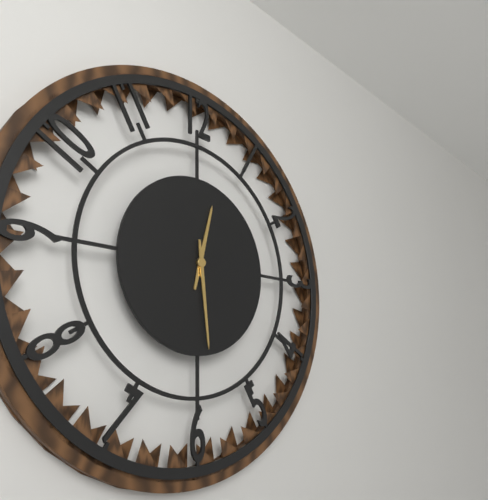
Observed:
12h29
